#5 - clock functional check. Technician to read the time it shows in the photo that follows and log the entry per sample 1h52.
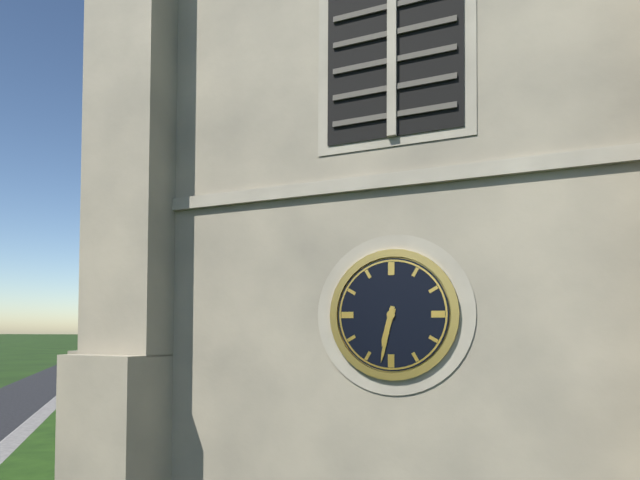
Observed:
6h32
